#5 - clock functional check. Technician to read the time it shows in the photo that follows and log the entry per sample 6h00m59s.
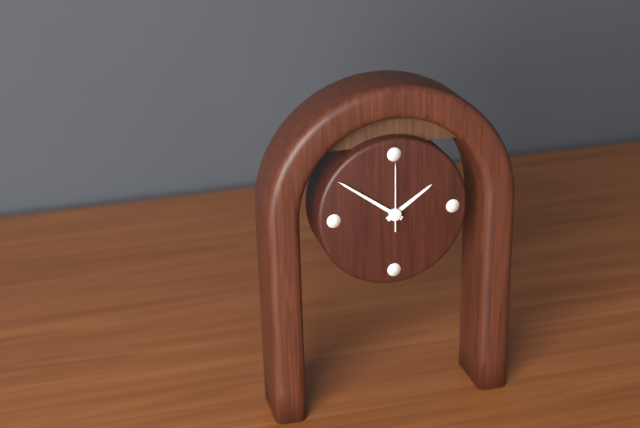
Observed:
1h51m00s
